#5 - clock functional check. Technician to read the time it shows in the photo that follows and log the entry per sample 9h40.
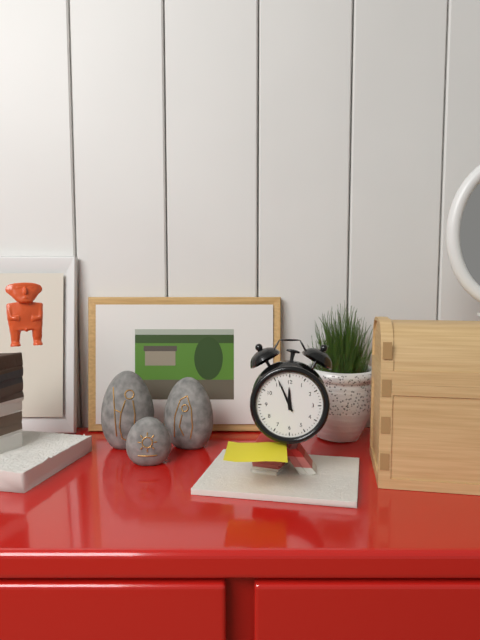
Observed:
11h56
